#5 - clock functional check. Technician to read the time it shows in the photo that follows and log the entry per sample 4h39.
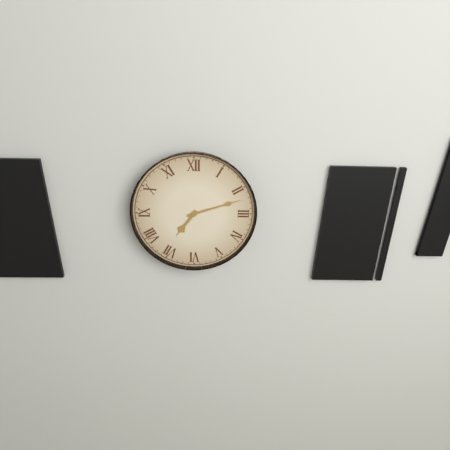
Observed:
7h12
